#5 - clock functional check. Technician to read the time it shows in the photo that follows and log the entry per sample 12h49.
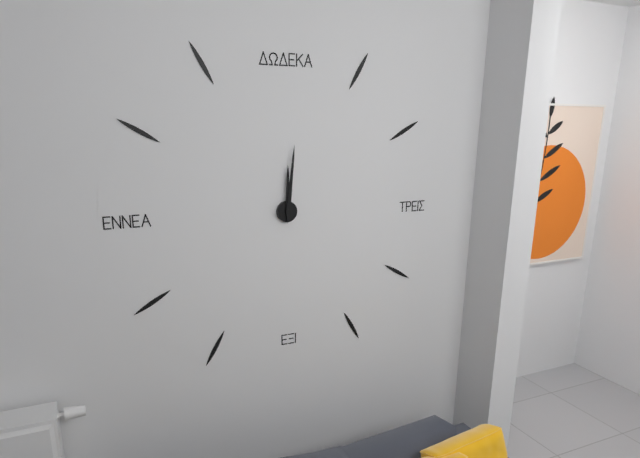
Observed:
12h01
